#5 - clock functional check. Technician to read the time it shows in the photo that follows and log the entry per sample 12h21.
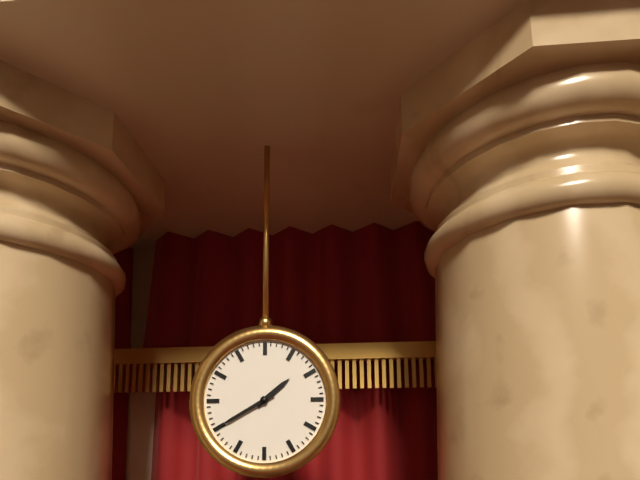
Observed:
1h40
